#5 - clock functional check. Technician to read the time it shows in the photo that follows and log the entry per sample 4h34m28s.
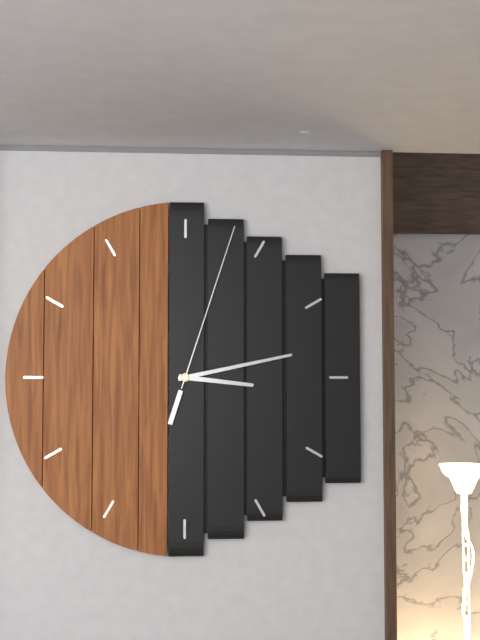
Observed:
3h13m03s
